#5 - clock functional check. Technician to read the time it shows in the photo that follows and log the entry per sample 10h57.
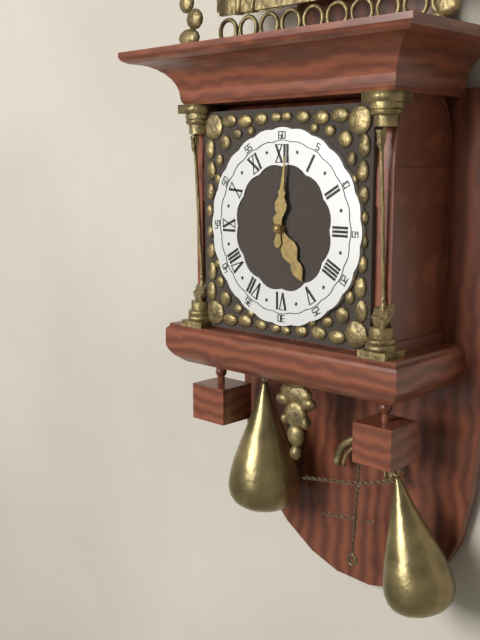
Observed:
5h01
